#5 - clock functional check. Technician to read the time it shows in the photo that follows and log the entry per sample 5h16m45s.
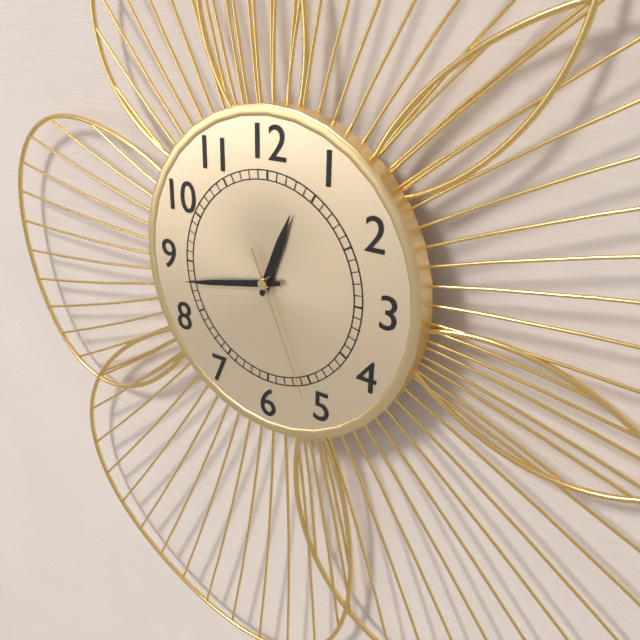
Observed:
12h43m26s
